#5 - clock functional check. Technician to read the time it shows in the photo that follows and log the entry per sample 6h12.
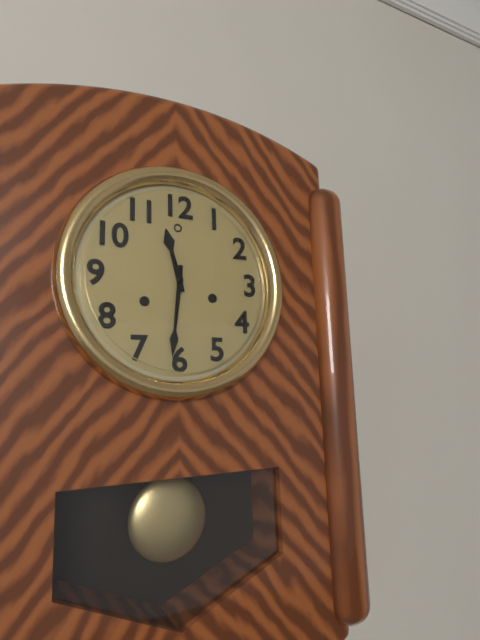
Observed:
11h31
